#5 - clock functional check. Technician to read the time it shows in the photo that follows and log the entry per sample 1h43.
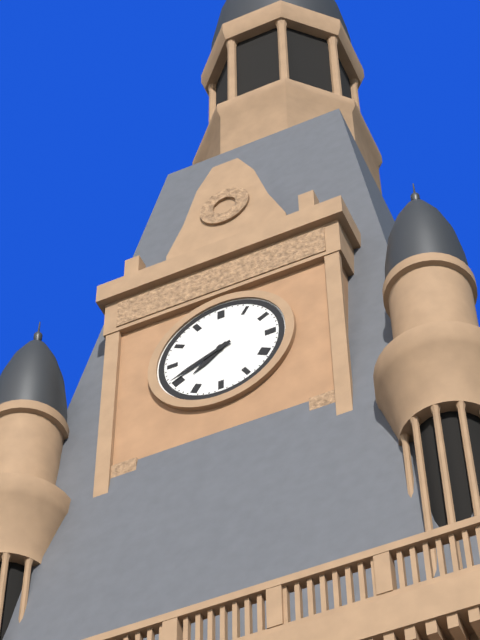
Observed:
7h41
